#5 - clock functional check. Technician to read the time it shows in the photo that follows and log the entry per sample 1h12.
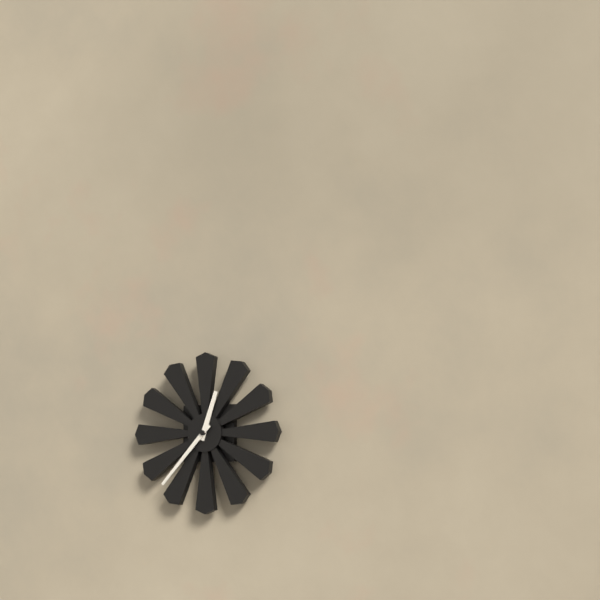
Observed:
12h37
